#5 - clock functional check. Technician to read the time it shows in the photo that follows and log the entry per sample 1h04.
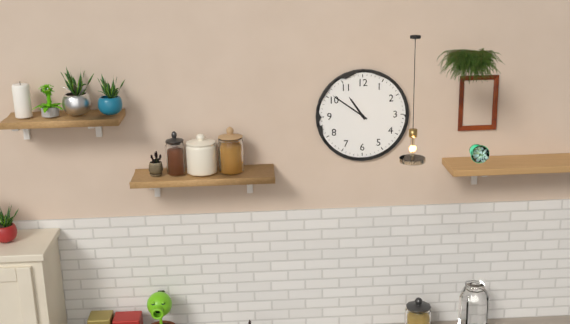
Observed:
10h51
